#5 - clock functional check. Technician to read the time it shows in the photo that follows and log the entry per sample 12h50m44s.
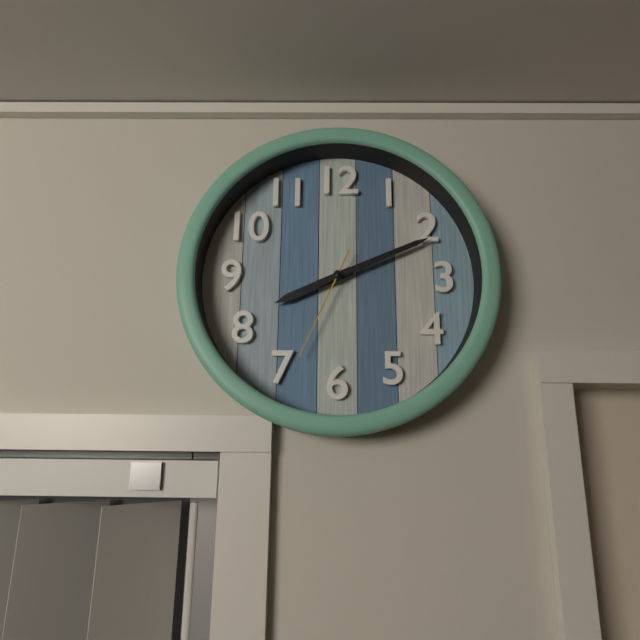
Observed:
8h11m34s
